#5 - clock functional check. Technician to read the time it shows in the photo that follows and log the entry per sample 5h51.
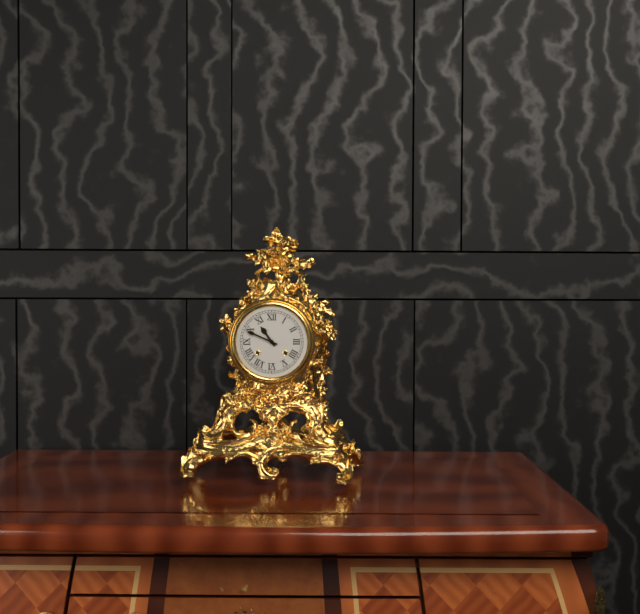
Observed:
10h49
